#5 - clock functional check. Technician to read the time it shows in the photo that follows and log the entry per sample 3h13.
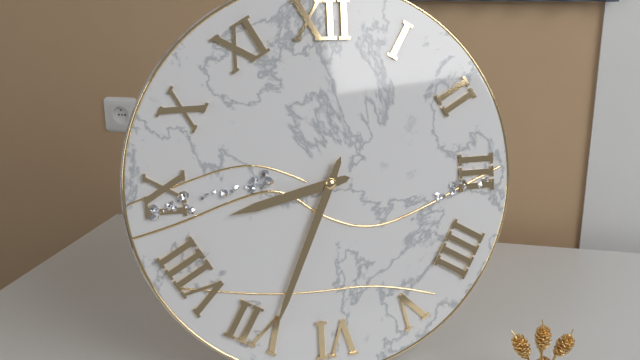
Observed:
8h34
